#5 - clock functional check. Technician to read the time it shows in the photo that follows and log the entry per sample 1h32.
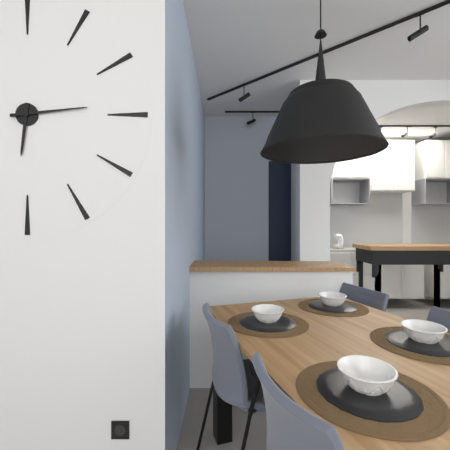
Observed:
6h14
